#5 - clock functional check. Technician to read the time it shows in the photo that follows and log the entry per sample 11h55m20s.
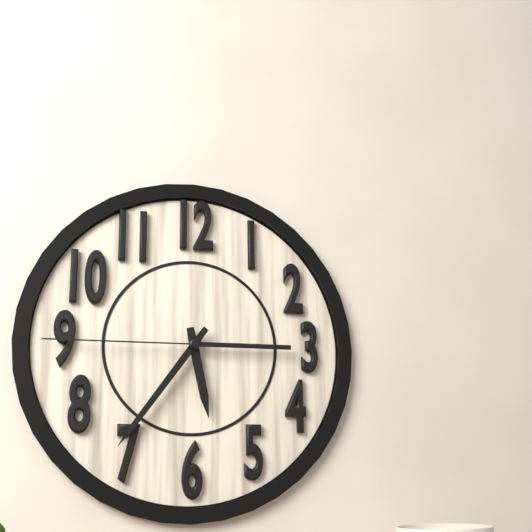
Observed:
5h36m45s
